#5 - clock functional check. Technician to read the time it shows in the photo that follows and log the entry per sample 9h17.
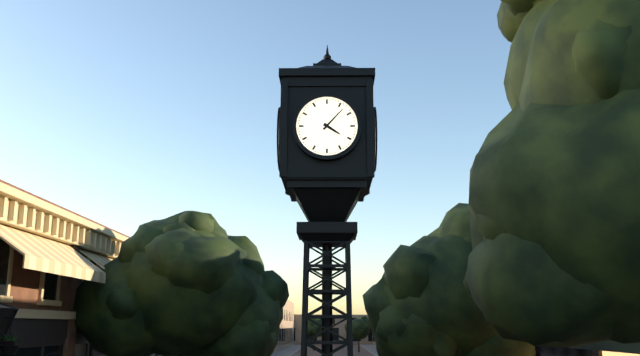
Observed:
4h07
